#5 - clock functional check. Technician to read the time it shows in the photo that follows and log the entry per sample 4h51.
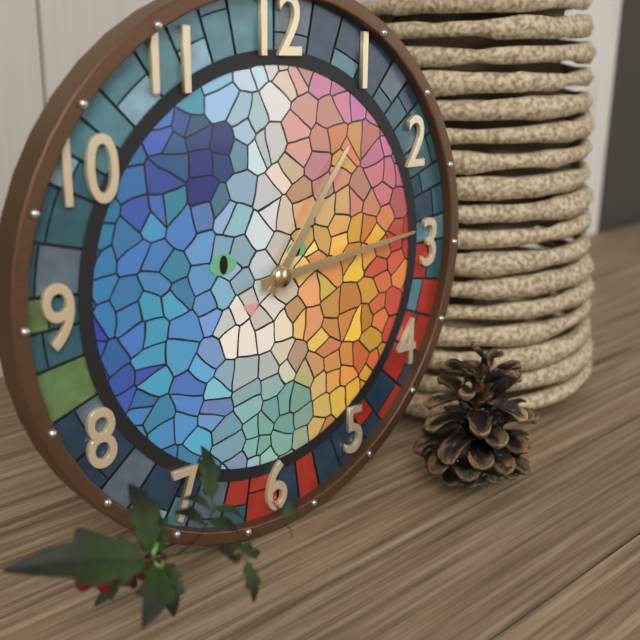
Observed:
1h14
